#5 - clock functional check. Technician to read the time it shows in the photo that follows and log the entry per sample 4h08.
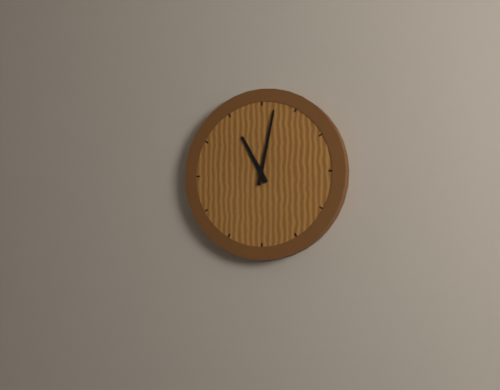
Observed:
11h02
